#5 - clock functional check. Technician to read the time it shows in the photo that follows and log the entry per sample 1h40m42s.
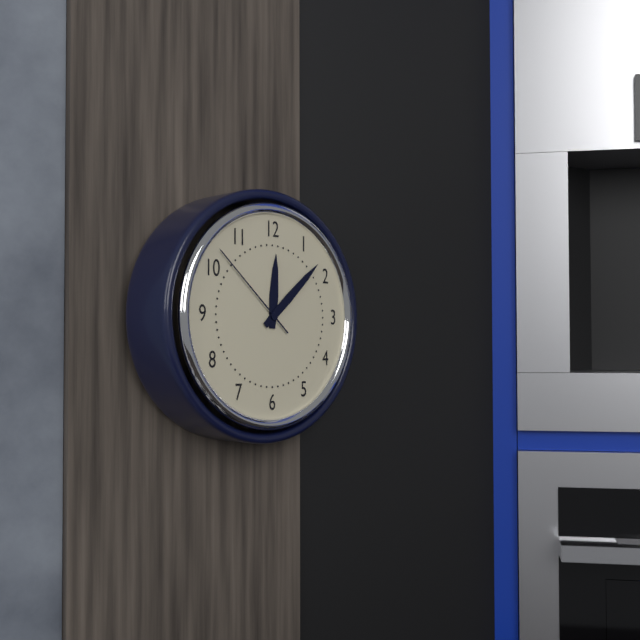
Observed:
12h08m52s
